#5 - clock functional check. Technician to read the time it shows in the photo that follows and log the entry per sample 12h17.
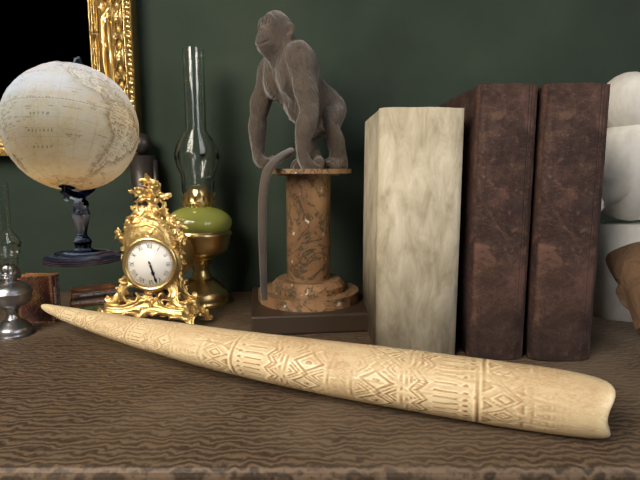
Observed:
5h27
